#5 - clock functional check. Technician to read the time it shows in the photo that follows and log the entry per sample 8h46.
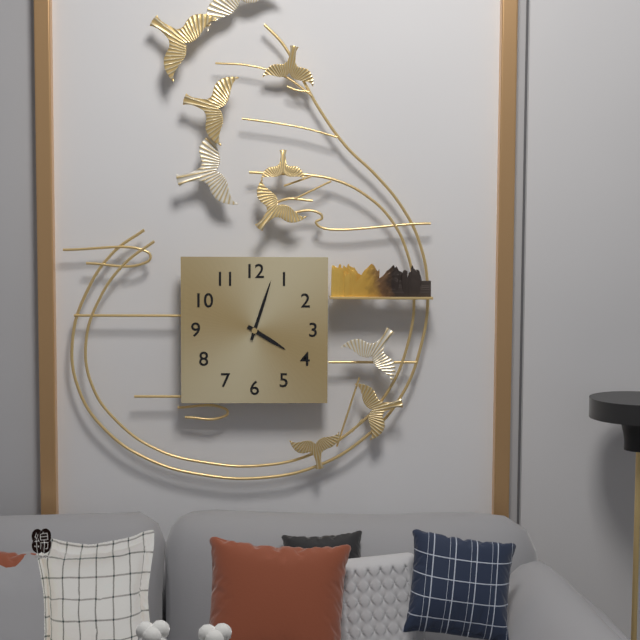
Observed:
4h03
